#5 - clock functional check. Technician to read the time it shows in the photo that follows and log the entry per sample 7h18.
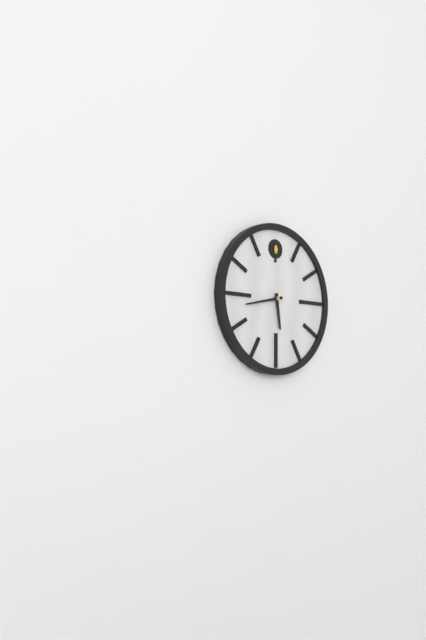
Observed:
5h43
